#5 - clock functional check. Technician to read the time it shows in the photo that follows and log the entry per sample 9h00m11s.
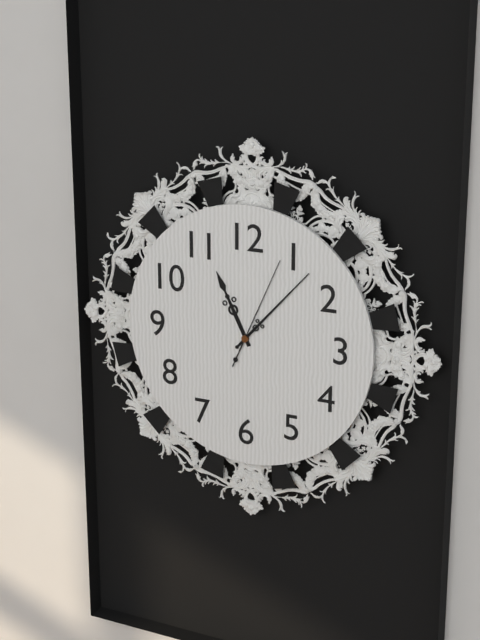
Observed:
11h07m04s
